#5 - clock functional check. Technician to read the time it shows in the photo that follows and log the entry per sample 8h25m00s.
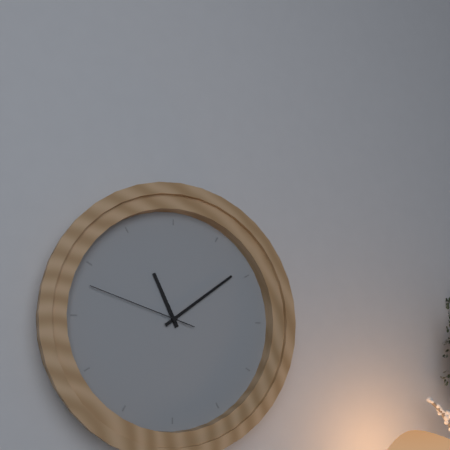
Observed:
11h09m48s
